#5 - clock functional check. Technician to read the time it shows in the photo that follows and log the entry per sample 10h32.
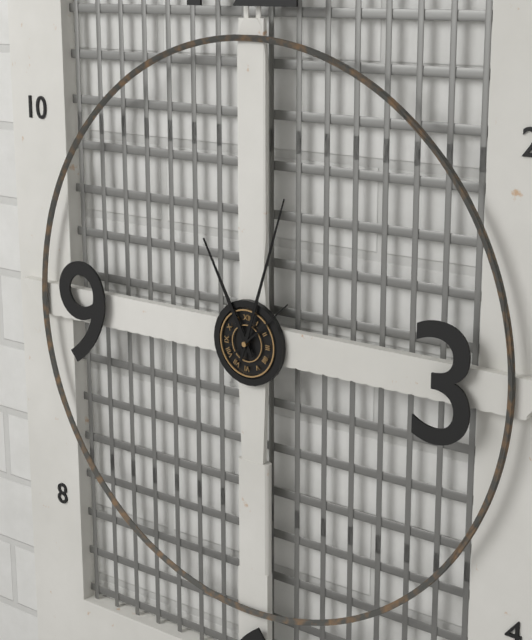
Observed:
11h03
